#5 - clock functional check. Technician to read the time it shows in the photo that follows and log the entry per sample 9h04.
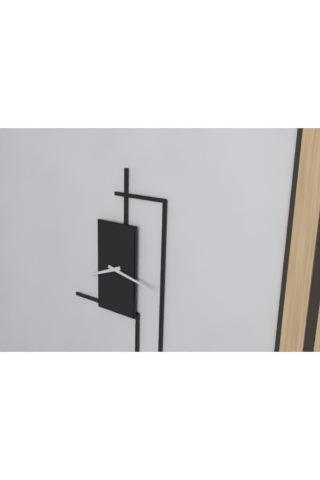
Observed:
8h17
